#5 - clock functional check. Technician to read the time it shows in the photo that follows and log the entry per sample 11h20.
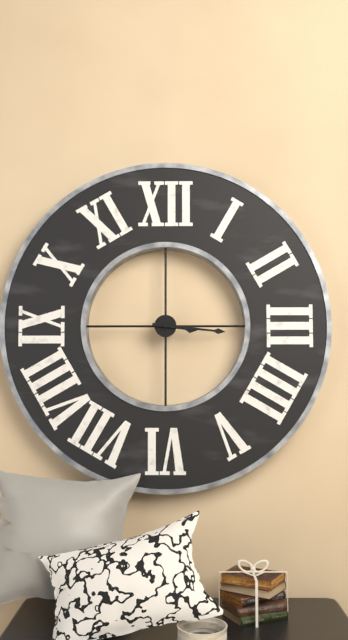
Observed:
3h16
